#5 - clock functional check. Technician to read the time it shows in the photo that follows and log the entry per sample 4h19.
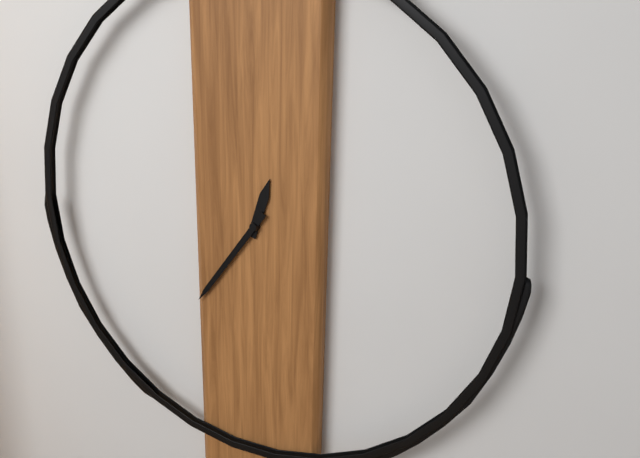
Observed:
12h36
